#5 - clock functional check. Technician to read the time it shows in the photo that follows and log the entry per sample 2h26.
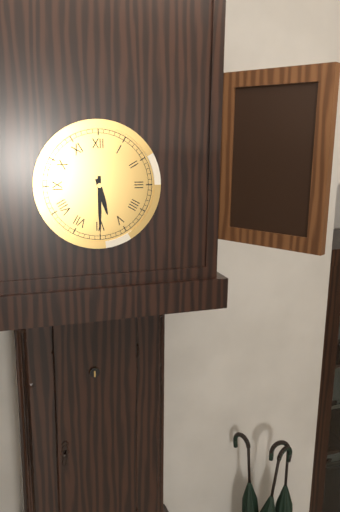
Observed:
5h30
